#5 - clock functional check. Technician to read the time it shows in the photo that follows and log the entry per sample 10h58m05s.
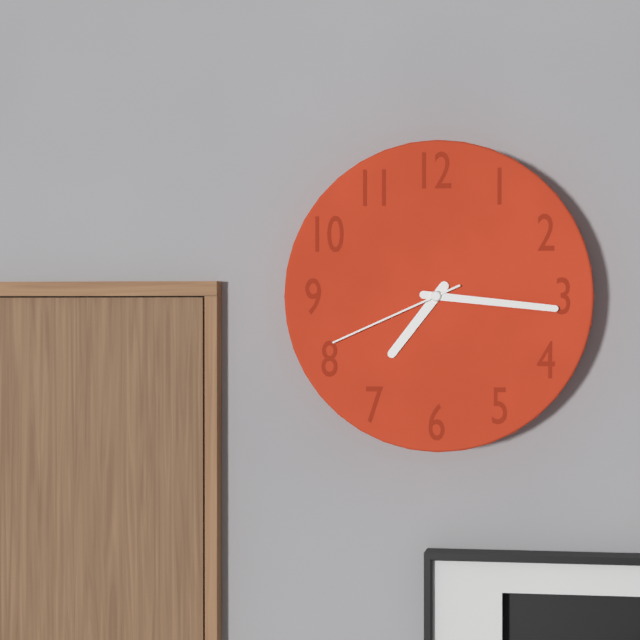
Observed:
7h16m41s
